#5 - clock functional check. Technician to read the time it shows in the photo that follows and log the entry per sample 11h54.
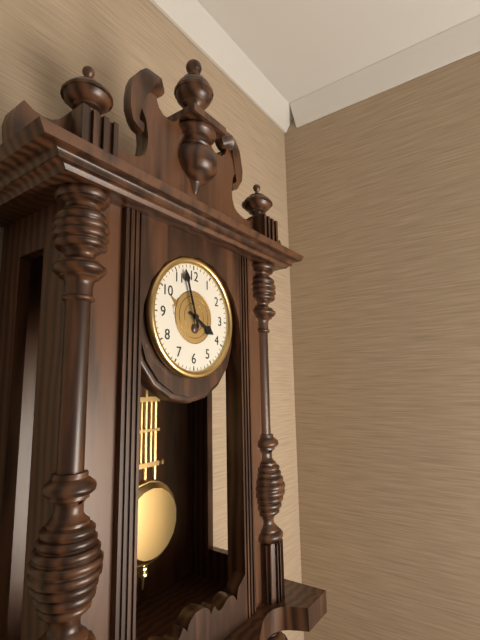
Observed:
3h57
